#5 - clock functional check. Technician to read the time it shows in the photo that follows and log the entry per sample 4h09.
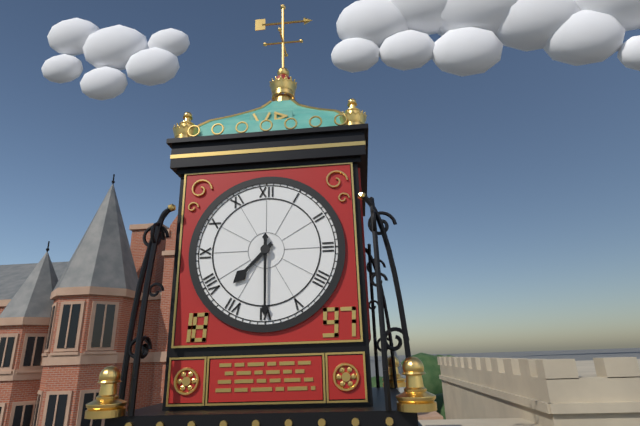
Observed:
7h30
